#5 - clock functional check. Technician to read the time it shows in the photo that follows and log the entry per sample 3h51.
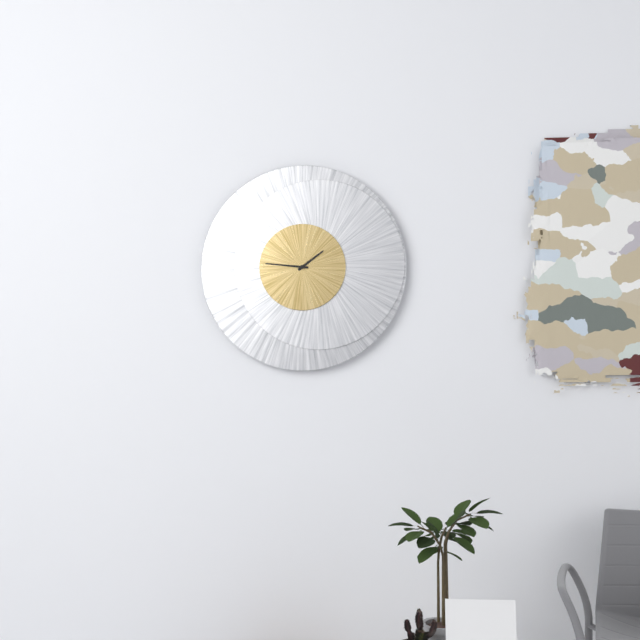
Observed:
1h46
